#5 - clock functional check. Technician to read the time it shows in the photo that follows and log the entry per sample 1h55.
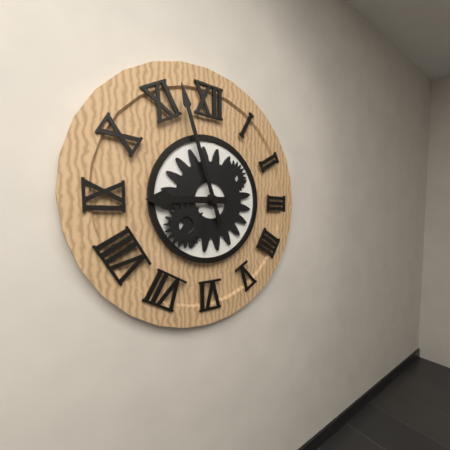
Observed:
8h57
